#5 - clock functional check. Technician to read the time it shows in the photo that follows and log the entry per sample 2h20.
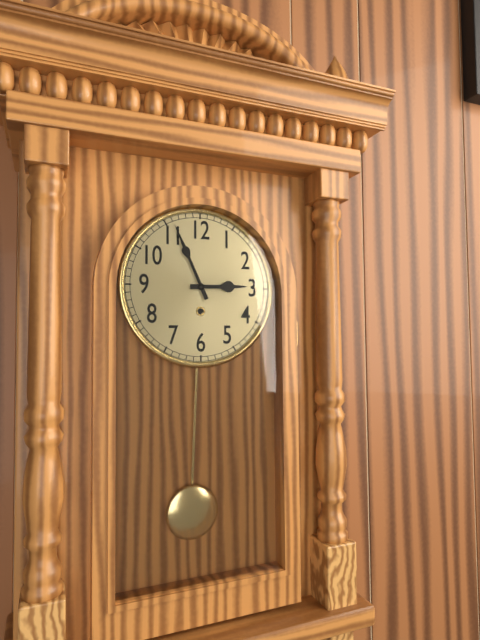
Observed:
2h56
